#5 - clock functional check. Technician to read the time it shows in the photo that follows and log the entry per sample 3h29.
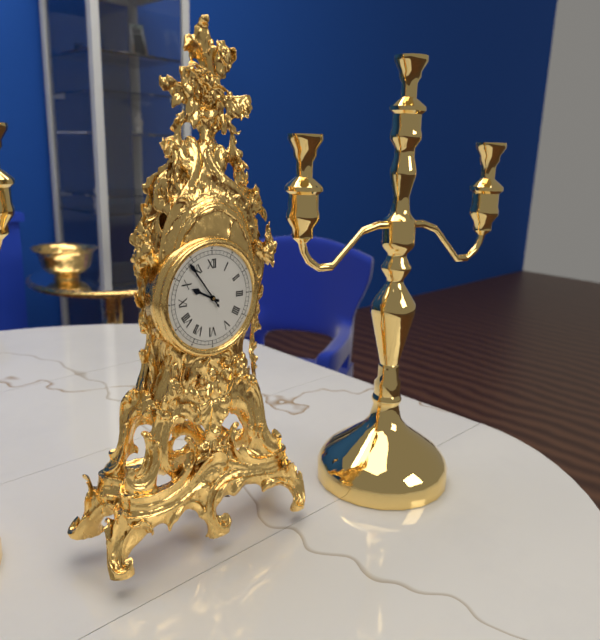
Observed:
9h54
